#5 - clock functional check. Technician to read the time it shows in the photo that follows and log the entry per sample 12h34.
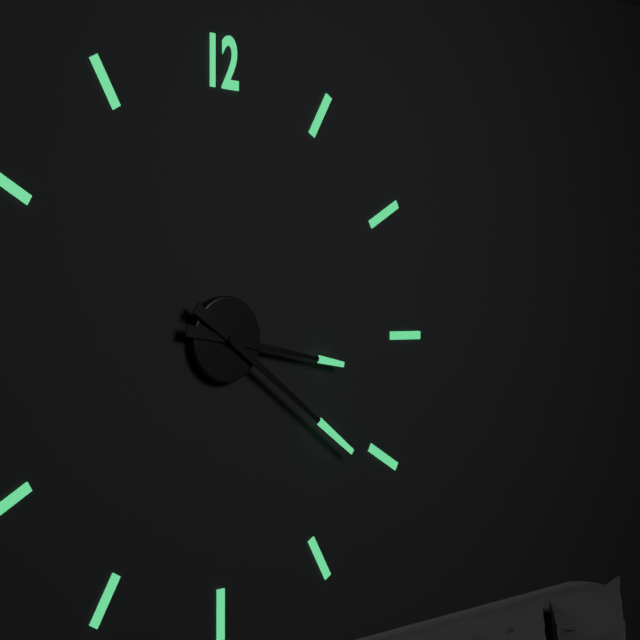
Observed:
3h21
